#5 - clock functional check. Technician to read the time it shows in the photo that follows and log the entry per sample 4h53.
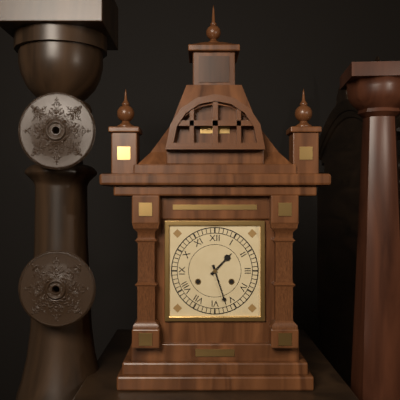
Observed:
1h27
